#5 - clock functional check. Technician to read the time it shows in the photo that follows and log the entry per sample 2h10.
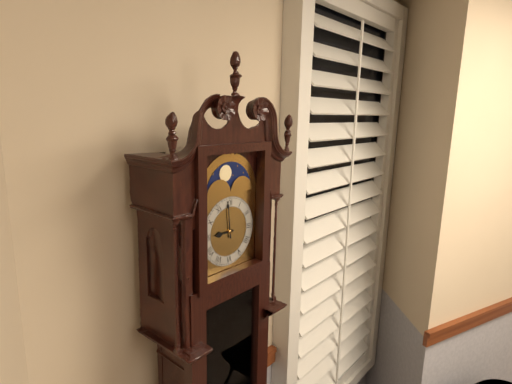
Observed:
8h59
